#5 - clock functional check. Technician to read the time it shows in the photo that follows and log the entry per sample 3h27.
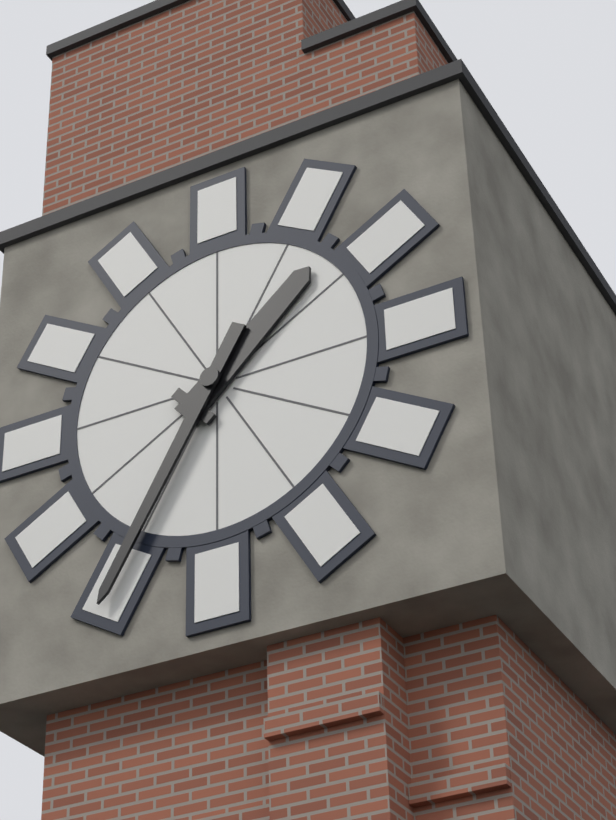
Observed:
1h35
